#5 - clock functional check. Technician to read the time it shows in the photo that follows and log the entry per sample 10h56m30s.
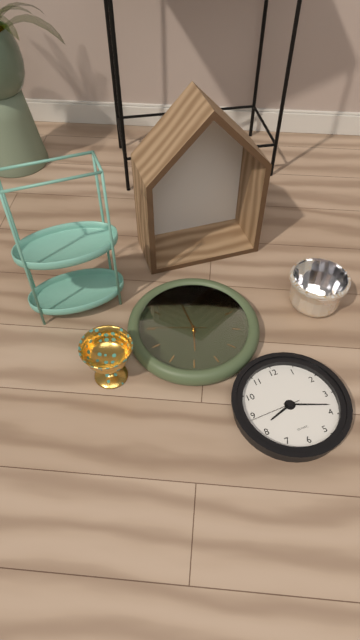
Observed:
8h18m44s
